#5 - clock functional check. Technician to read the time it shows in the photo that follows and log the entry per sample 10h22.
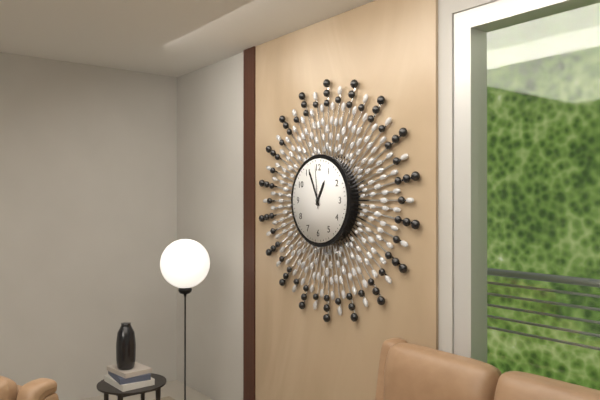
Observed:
12h56
